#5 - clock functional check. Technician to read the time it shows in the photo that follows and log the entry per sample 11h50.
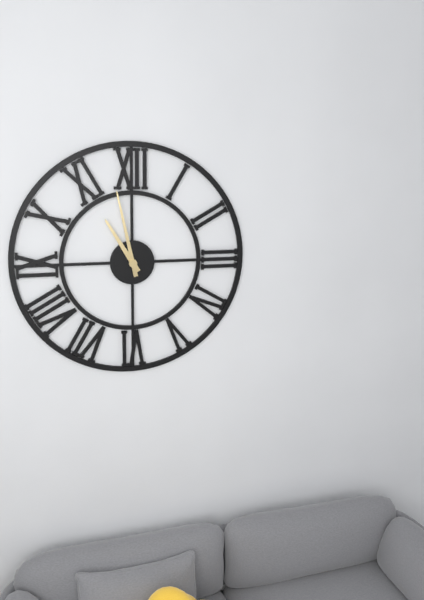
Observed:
10h58
